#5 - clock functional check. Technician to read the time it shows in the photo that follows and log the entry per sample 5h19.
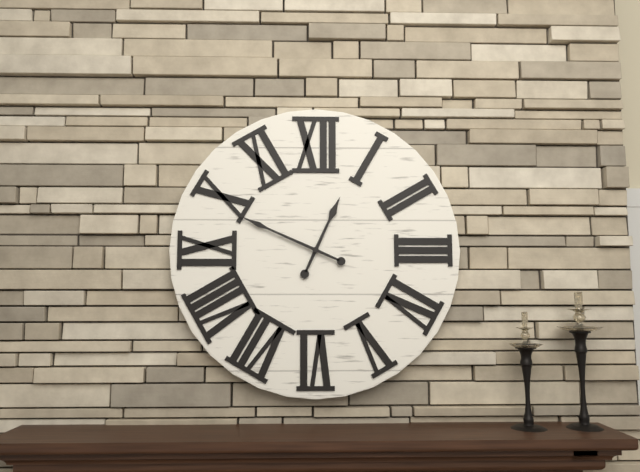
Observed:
12h49
